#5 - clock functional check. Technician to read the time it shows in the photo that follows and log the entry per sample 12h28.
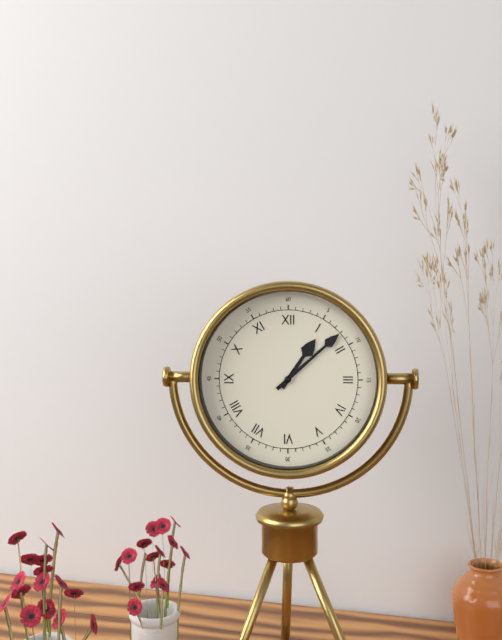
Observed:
1h08
